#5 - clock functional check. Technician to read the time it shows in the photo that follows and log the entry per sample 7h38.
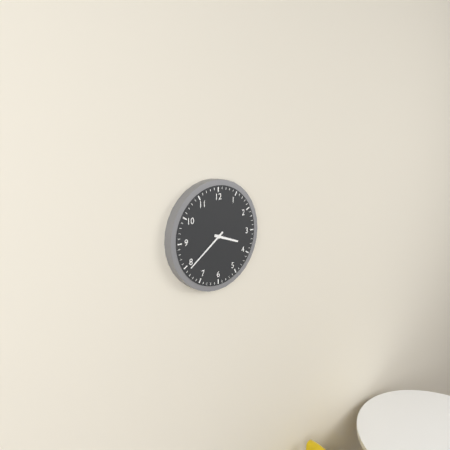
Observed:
3h39
